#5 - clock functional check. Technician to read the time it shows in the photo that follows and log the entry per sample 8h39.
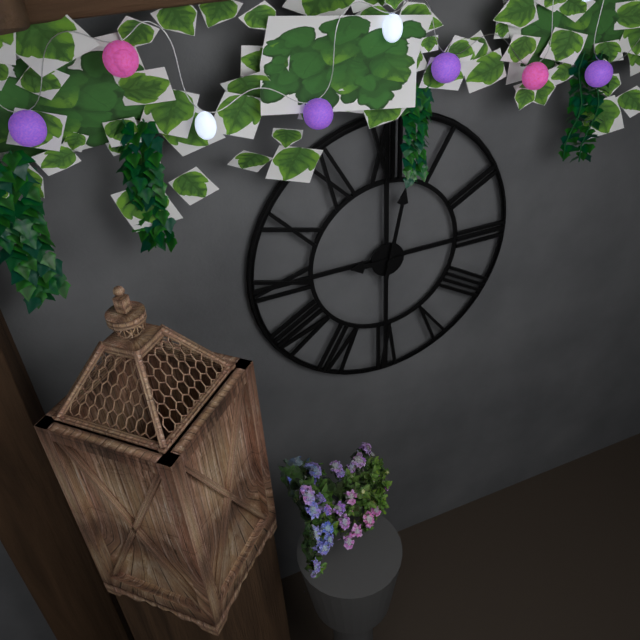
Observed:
9h02
